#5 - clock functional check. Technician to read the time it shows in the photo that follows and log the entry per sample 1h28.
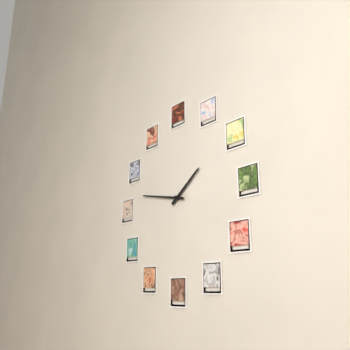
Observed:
1h47
